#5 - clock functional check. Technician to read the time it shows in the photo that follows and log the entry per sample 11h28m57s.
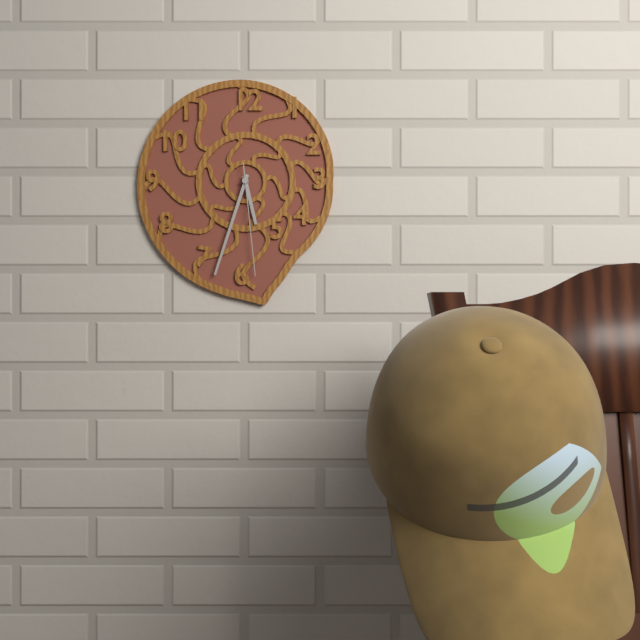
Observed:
5h33m29s
